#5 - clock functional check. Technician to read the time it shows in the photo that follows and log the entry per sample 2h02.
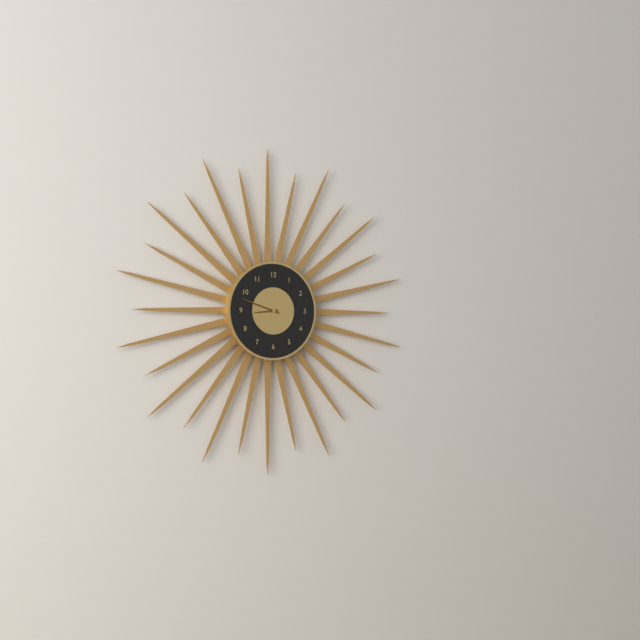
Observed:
8h48
